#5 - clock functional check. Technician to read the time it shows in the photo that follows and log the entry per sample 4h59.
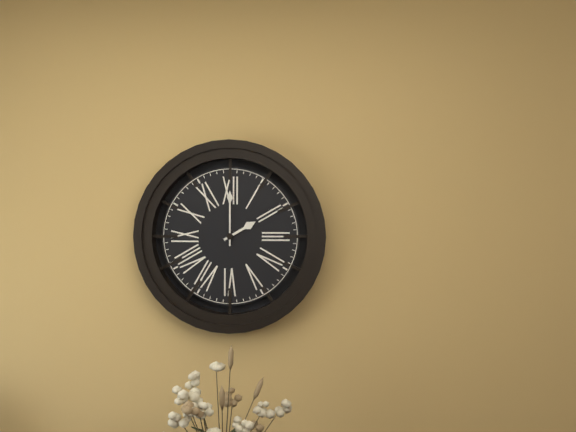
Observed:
2h00
